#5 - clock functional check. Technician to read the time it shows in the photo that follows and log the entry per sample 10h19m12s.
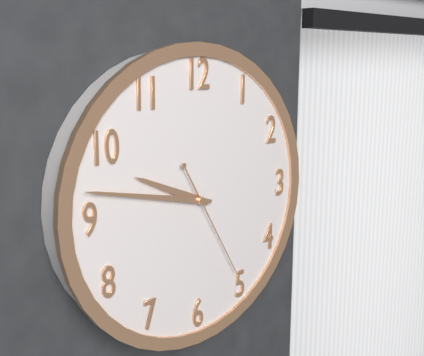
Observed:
9h47m25s
